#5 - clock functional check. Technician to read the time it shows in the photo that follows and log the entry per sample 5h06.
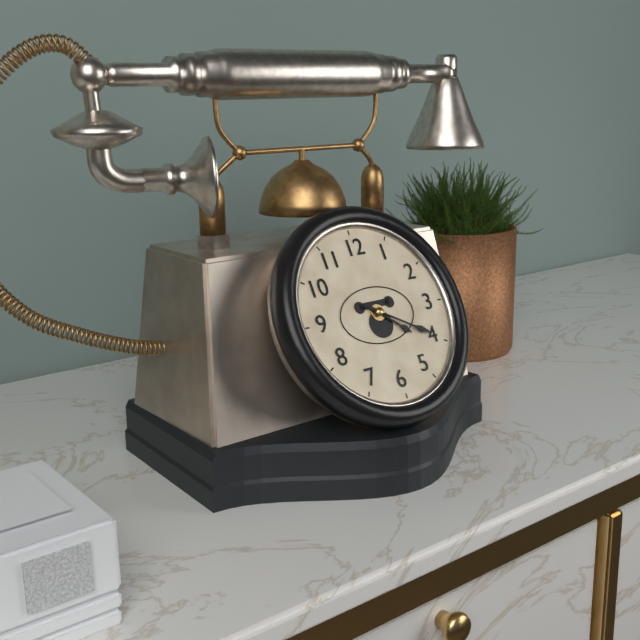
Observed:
4h20
